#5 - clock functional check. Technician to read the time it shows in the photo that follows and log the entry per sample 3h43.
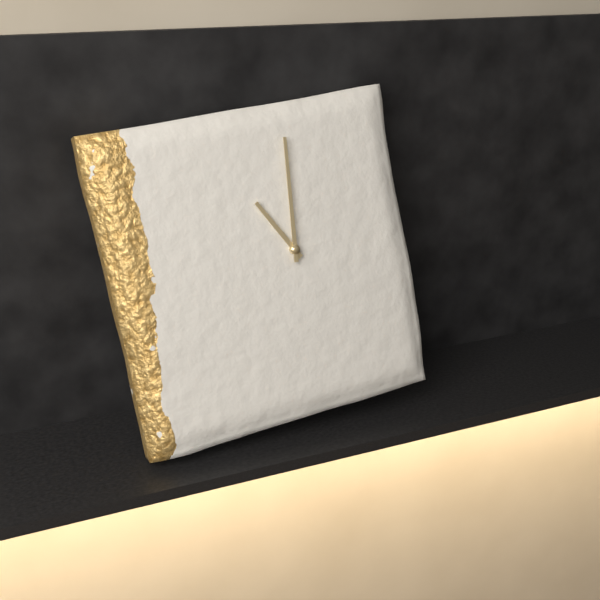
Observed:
11h01
